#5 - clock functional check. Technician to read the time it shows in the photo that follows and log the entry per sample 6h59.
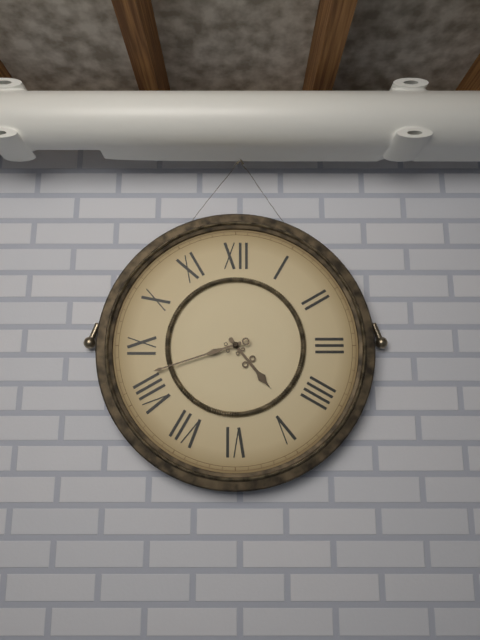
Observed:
4h42
